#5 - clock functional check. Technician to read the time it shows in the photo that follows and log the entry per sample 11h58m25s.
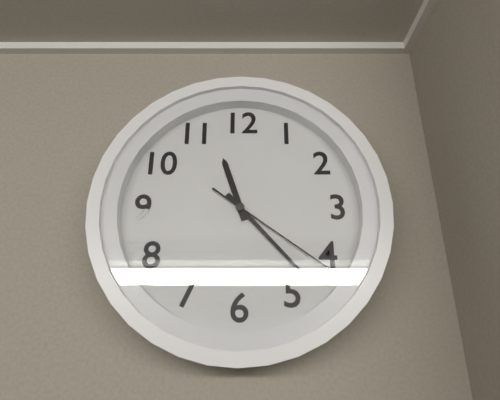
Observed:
11h23m21s
